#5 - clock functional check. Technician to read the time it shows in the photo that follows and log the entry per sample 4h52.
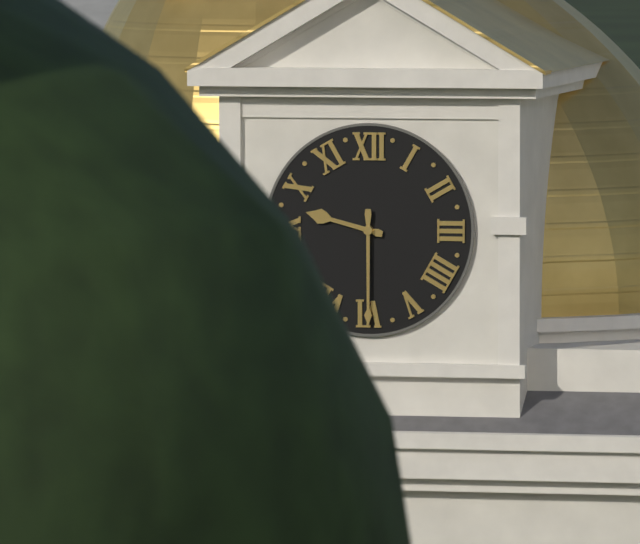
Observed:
9h30
